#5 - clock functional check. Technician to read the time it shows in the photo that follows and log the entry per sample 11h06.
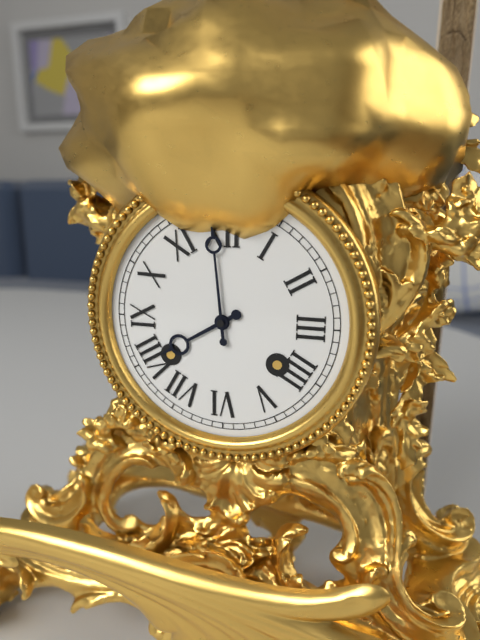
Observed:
7h59
